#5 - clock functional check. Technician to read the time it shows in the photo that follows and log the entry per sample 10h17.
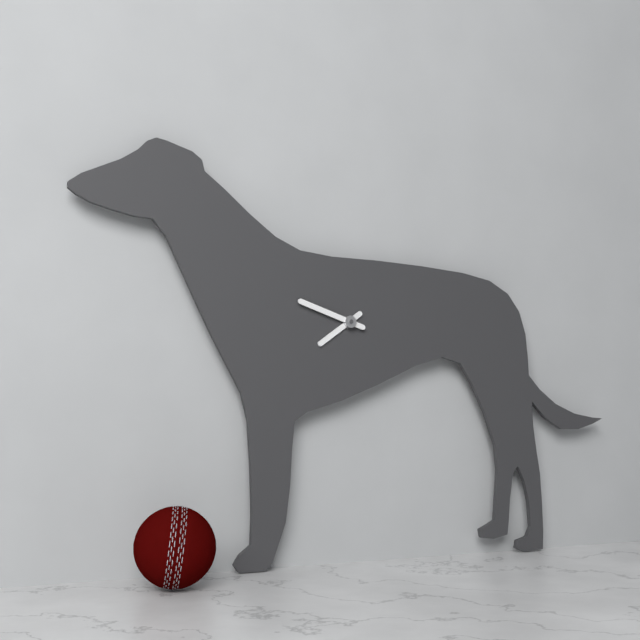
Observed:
7h48
